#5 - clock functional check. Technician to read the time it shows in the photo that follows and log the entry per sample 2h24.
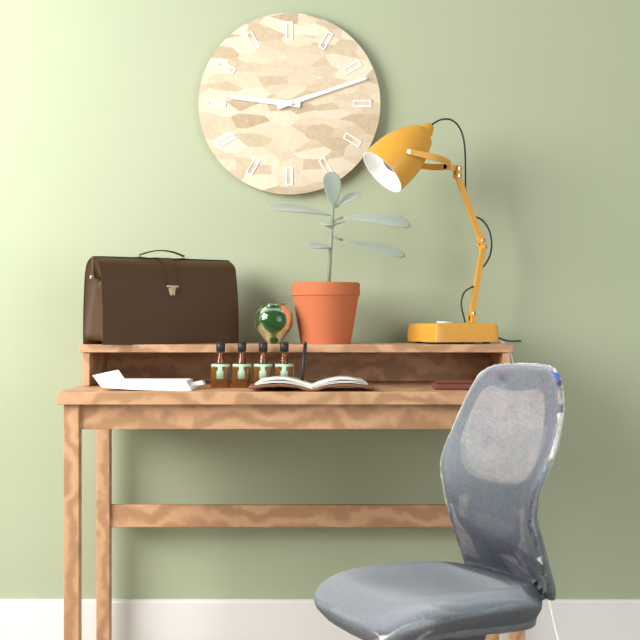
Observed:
9h12
